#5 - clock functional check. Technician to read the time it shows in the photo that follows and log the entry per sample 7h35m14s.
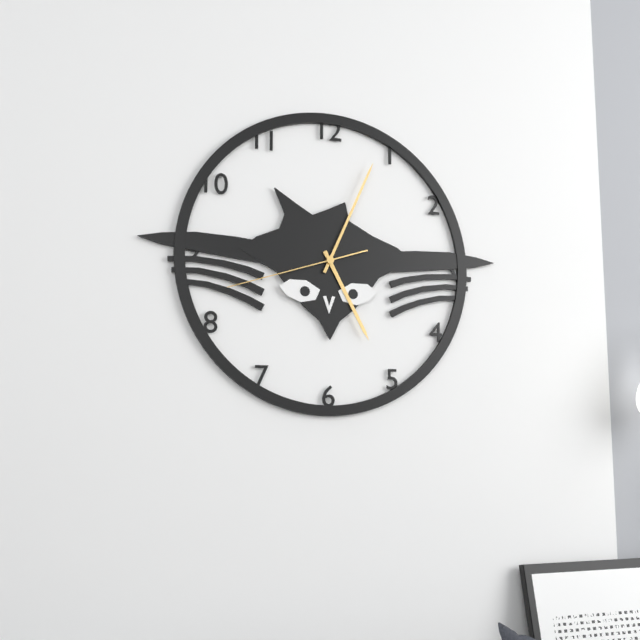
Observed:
5h04m42s
